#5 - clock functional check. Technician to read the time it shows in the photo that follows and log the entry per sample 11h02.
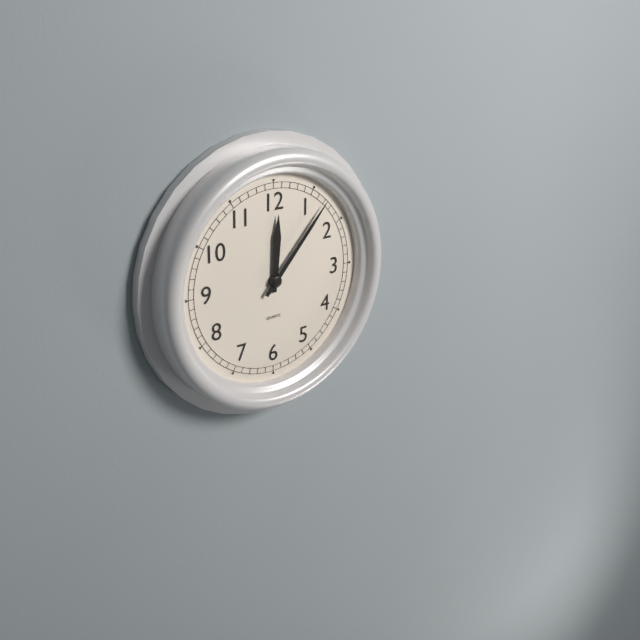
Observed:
12h07
